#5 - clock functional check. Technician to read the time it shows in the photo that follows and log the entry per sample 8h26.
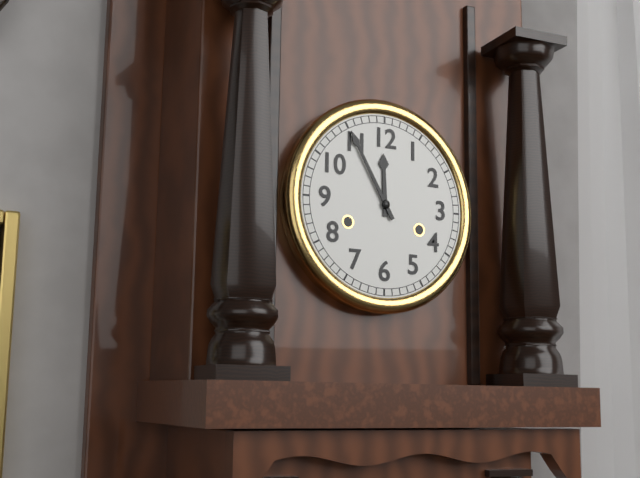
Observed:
11h55
